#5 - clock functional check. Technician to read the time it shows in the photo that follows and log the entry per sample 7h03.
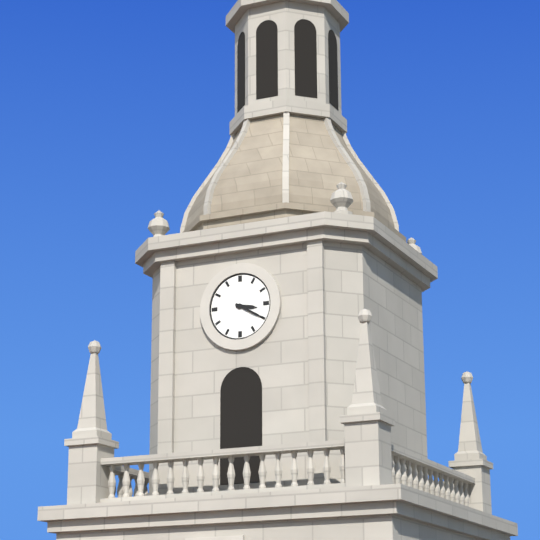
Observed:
3h20
